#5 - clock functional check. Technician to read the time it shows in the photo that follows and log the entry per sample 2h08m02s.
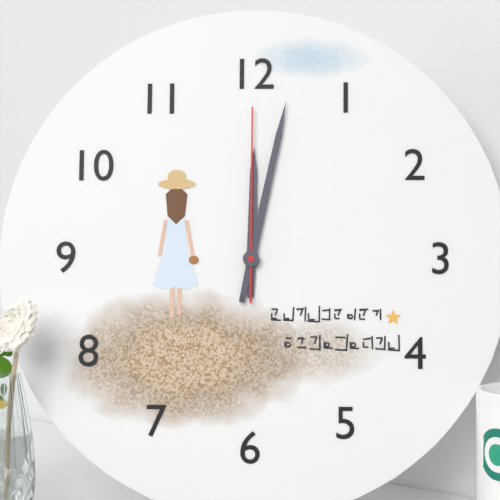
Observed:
12h02m00s
